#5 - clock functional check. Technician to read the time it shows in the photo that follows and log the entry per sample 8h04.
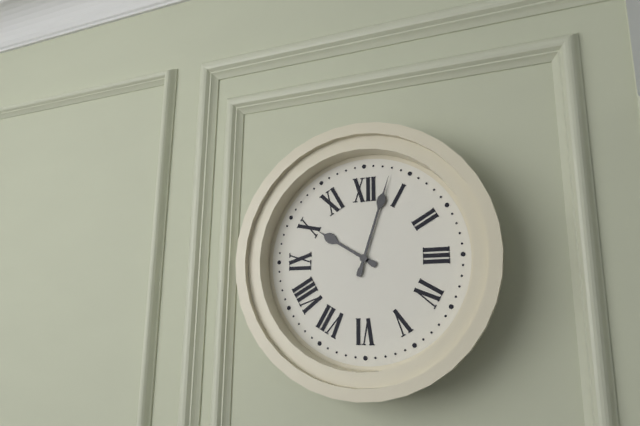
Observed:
10h03
